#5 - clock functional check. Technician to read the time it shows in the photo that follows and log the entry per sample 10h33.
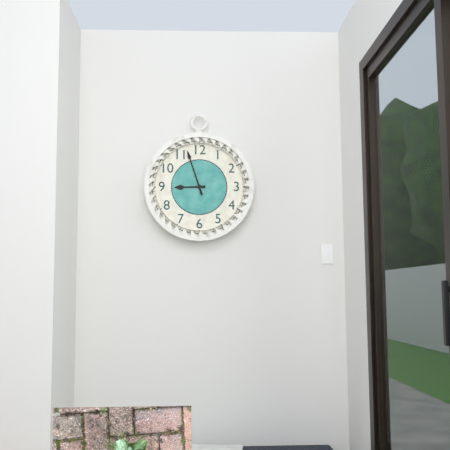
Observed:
8h57
